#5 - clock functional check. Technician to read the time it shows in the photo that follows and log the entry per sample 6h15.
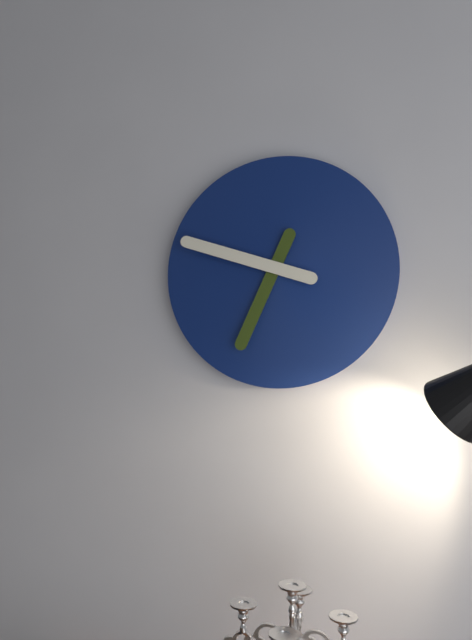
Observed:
6h48
